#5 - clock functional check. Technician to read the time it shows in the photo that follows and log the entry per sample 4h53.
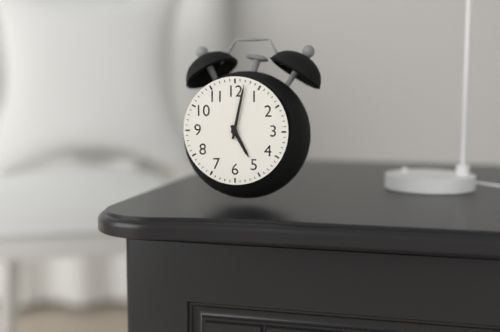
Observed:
5h02
